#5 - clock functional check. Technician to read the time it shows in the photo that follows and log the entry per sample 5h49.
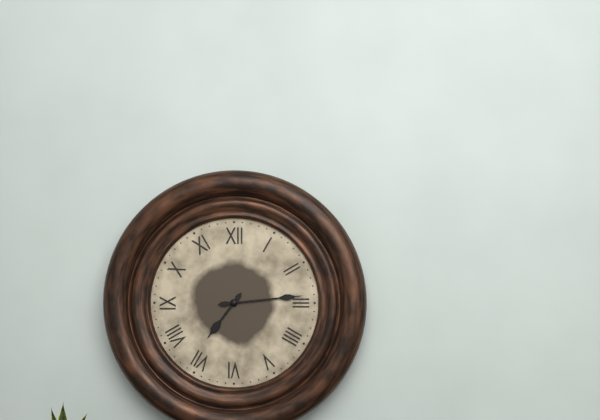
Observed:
7h14
